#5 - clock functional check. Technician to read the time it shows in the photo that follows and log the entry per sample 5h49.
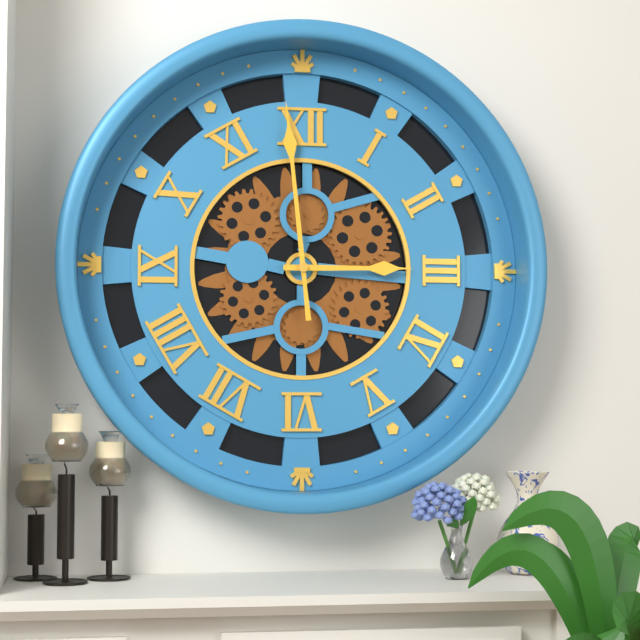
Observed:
2h59
